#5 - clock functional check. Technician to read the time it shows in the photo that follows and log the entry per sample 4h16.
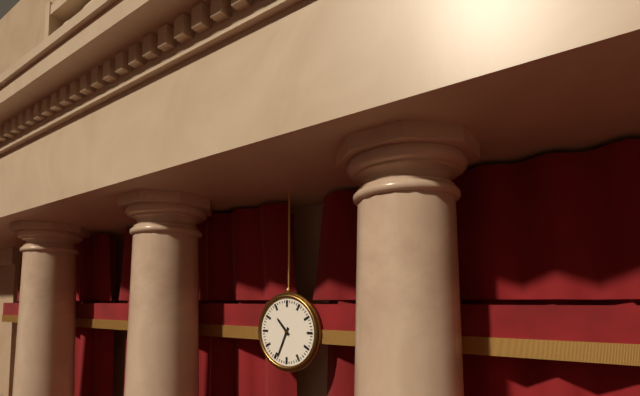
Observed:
10h34
